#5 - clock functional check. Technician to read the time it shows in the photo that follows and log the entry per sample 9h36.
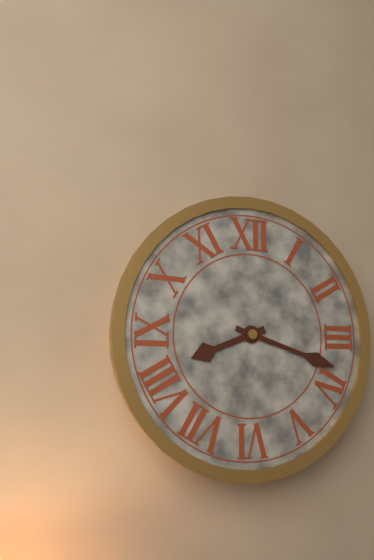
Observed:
8h18
